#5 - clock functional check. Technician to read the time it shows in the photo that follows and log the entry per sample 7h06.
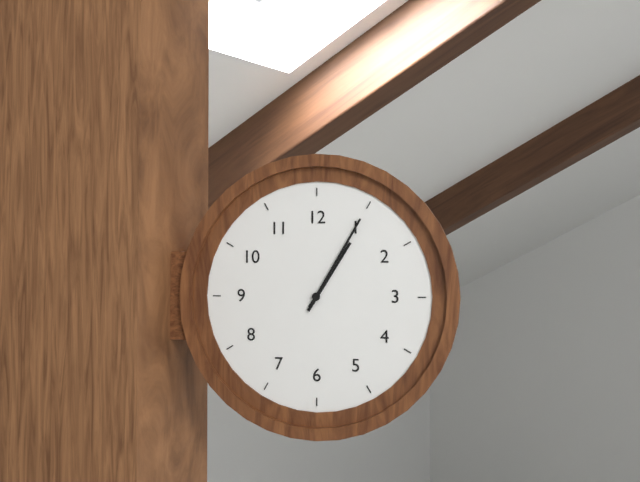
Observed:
1h05
